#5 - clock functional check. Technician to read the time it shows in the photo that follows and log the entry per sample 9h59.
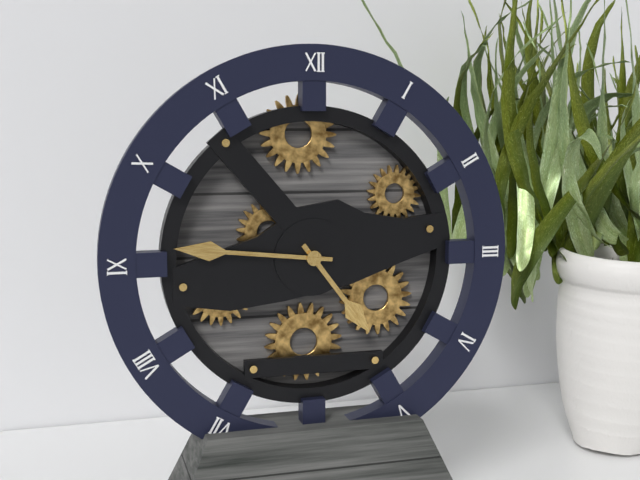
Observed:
4h46
